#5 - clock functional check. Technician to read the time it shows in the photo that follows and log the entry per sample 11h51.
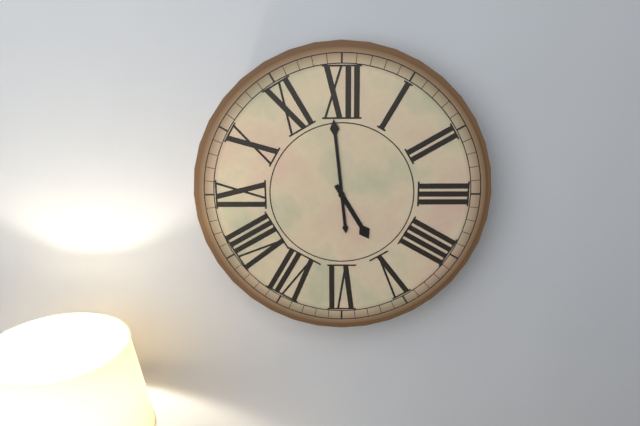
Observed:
4h59
